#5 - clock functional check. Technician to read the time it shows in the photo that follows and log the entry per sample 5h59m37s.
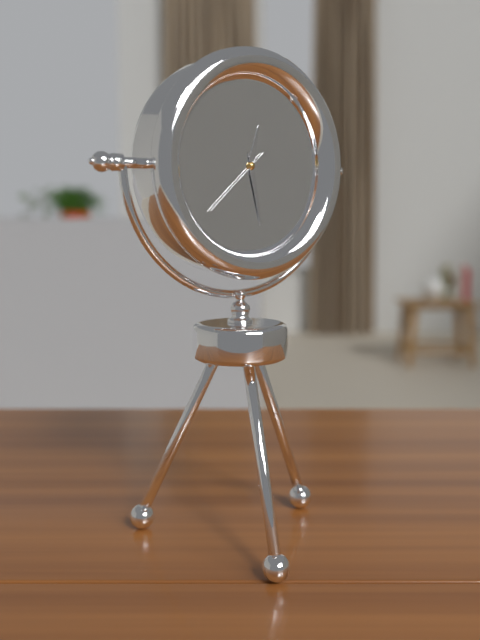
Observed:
12h28m38s
